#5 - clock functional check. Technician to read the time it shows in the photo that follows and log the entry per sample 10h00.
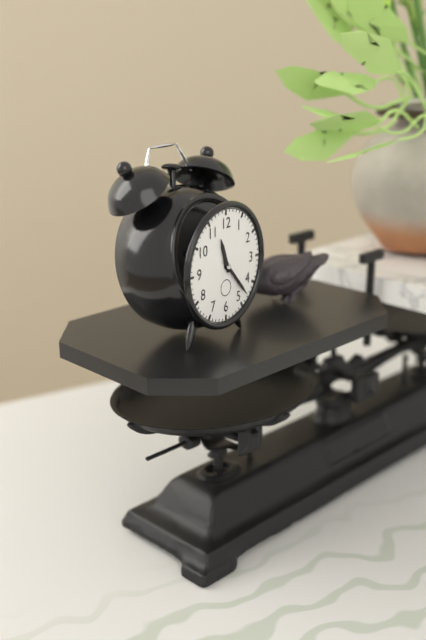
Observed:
11h23
